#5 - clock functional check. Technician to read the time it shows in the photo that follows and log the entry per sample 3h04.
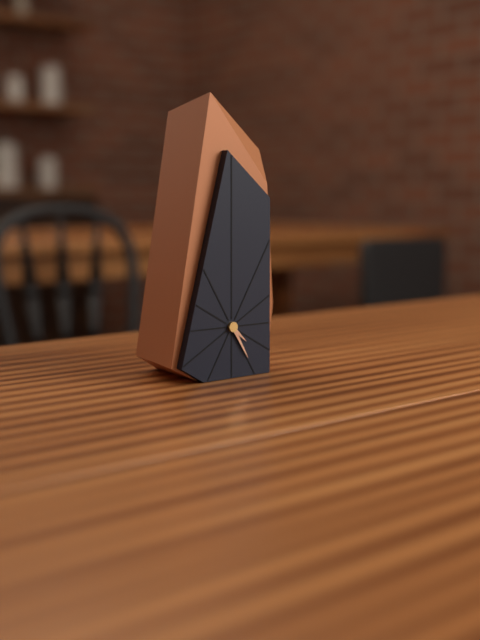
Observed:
4h25
